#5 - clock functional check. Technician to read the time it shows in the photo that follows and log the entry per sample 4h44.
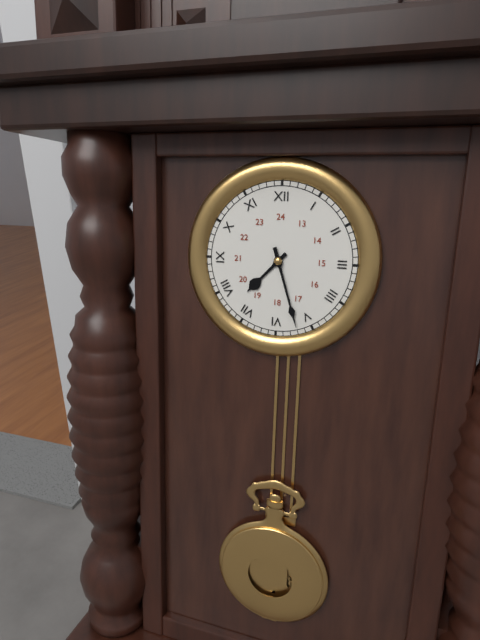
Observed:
7h27
